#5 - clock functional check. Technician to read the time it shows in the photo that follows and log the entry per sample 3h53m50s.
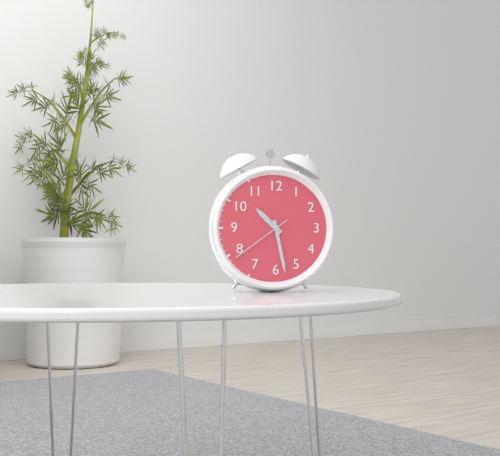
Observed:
10h28m39s
